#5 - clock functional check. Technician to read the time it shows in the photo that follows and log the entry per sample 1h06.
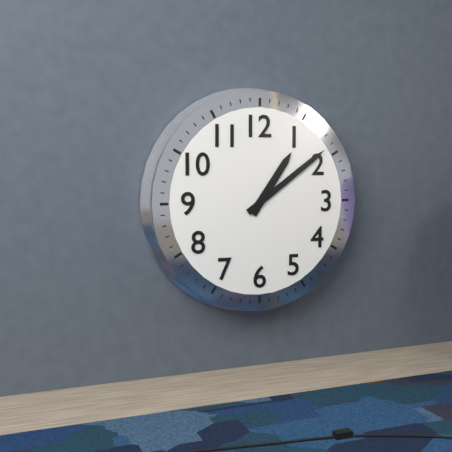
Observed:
1h09
